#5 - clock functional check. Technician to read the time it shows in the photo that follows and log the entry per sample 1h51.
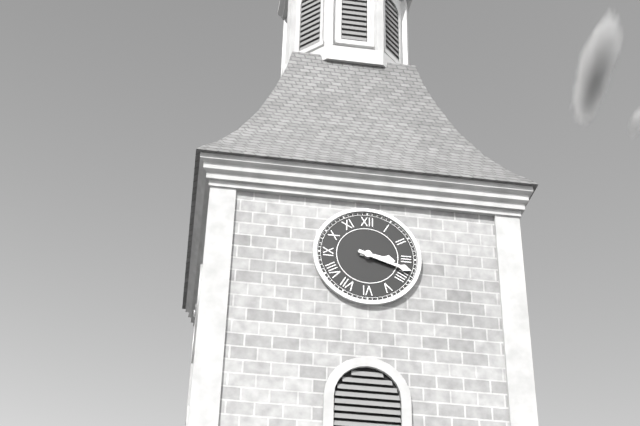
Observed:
3h18
